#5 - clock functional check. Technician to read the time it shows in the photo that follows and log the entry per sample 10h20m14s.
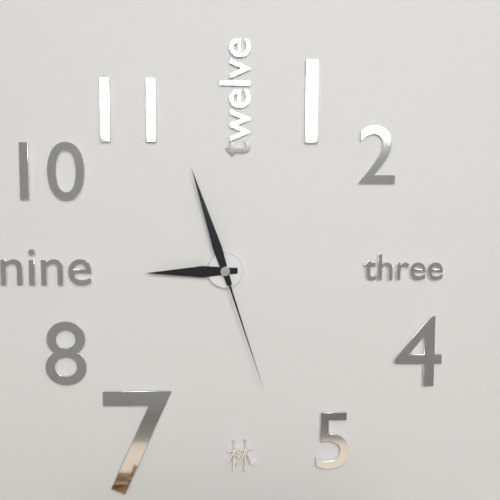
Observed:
8h57m27s
